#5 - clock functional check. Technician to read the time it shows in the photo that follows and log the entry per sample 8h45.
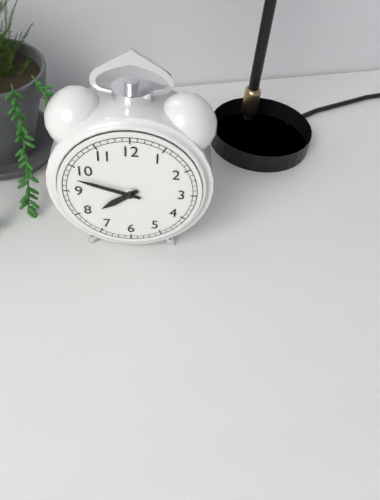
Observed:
7h48
